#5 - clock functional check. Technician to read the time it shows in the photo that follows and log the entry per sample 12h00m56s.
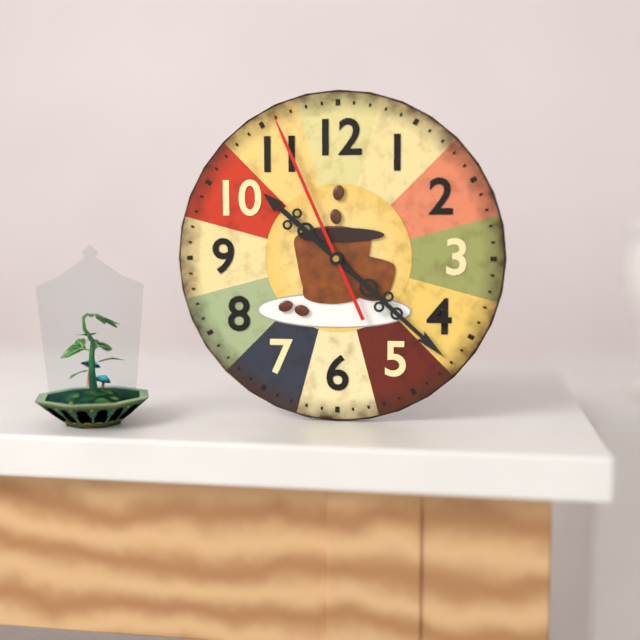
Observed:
10h22m56s
